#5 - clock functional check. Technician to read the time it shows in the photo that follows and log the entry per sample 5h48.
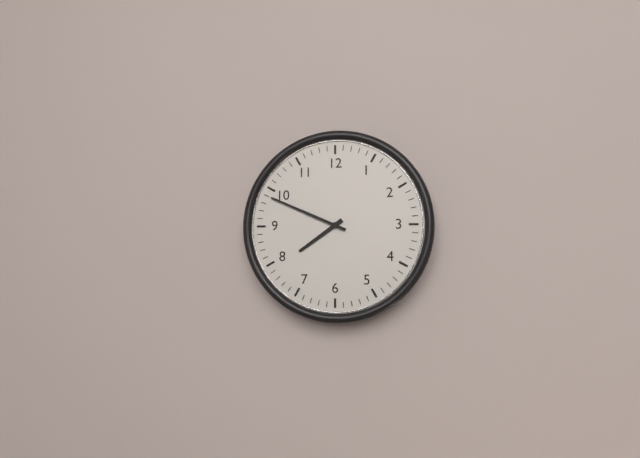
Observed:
7h49
